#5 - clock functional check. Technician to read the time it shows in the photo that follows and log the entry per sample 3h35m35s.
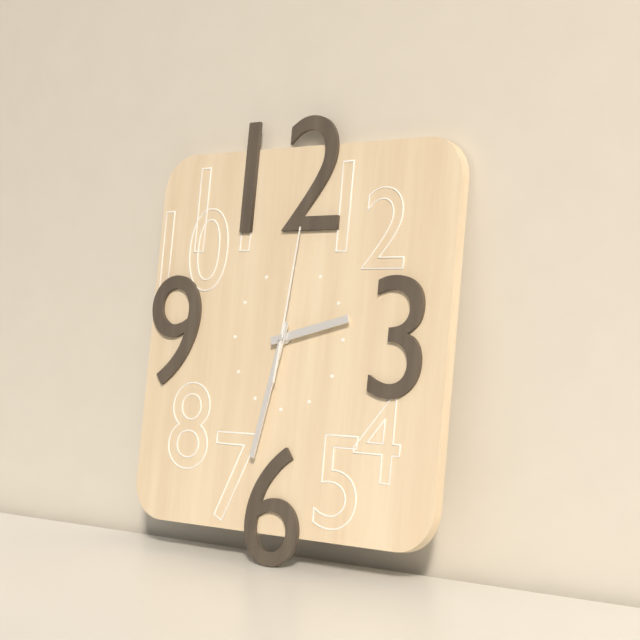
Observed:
2h32m01s
